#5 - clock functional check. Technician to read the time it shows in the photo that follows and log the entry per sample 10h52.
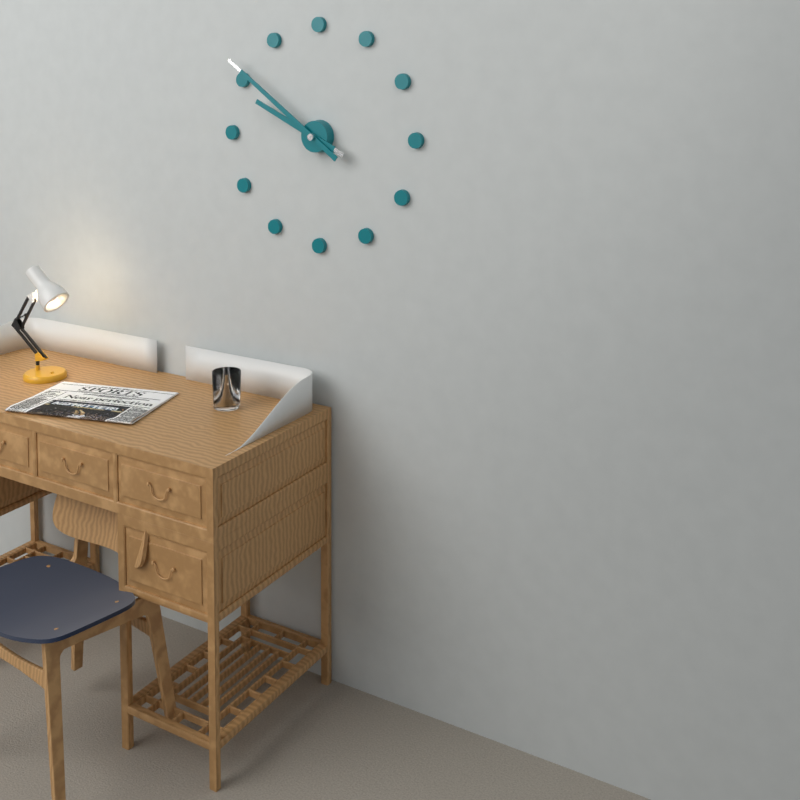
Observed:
9h51
